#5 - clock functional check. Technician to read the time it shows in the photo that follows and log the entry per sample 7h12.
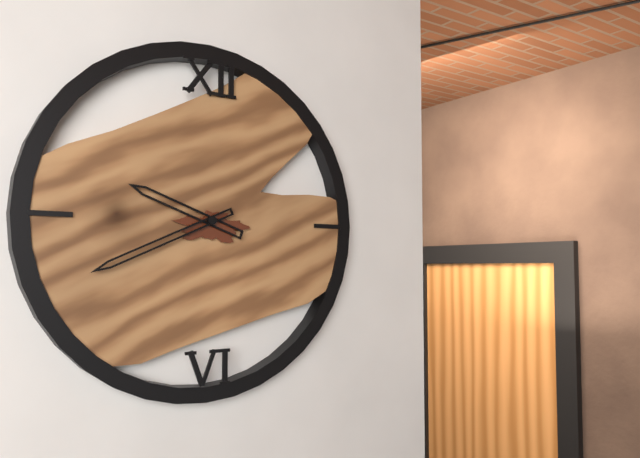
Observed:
9h41
